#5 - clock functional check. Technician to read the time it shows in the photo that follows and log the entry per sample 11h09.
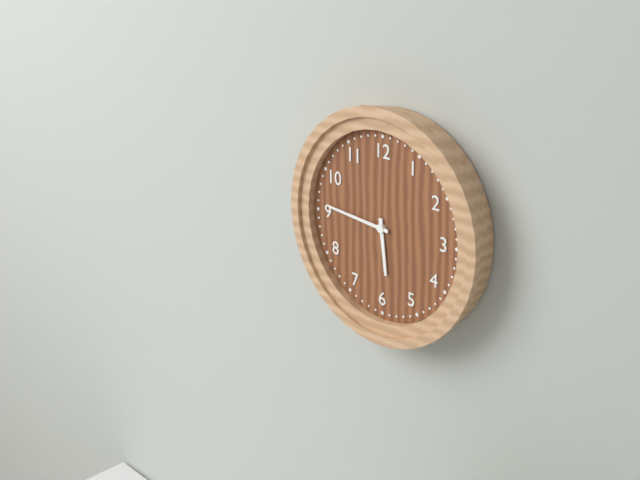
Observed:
5h46
